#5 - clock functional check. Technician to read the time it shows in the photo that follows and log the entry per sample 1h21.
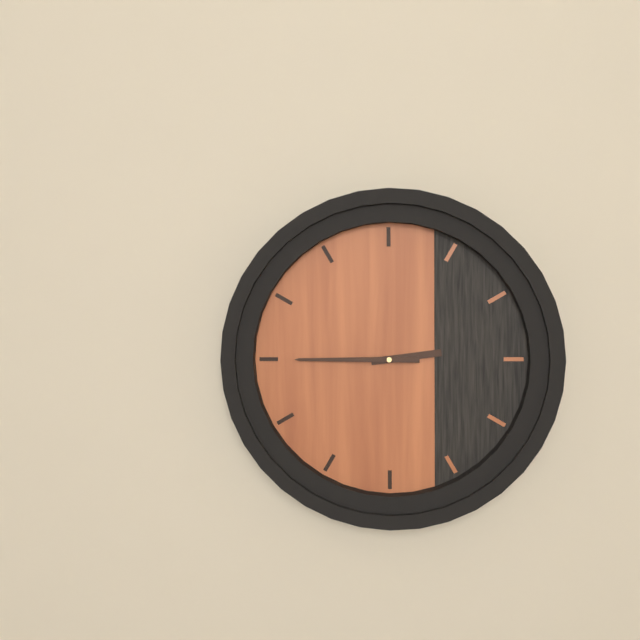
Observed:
2h45
